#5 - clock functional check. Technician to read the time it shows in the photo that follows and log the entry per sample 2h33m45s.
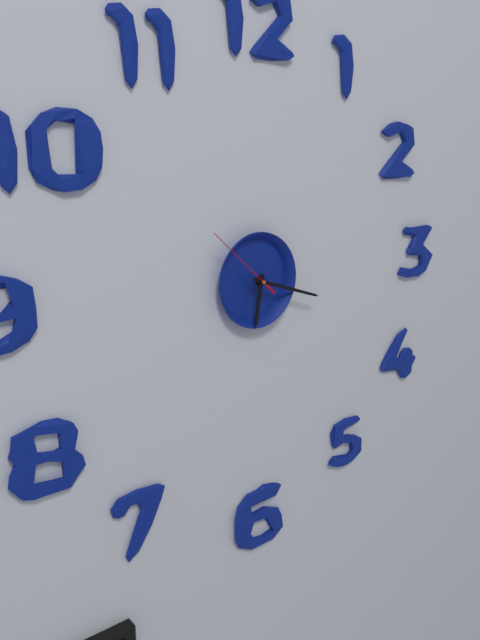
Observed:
6h18m52s
